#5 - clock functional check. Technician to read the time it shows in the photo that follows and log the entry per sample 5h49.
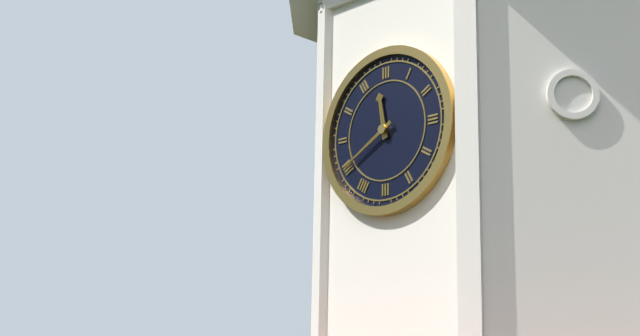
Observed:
11h40
